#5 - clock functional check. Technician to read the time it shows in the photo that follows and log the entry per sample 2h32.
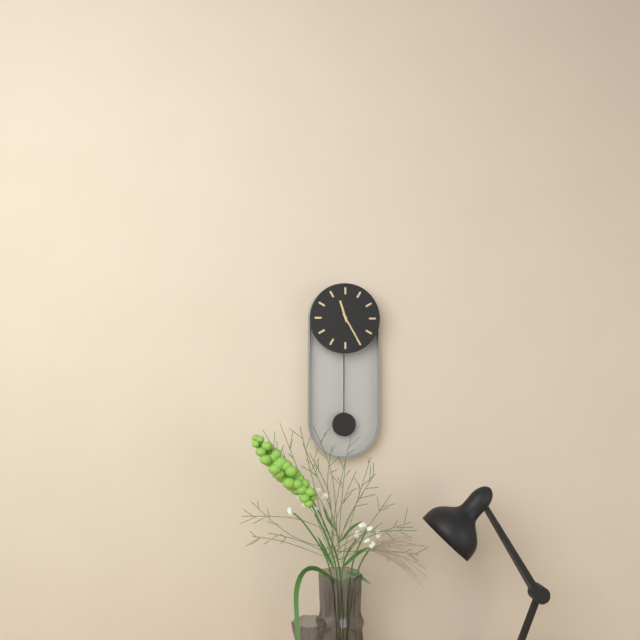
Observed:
11h25
